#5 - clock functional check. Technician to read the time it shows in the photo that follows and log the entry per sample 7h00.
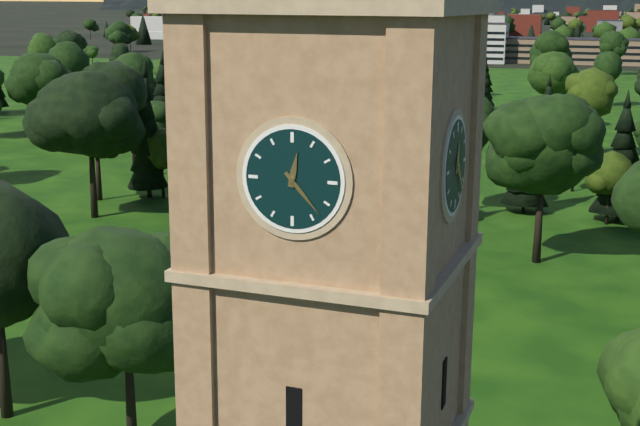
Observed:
12h23
